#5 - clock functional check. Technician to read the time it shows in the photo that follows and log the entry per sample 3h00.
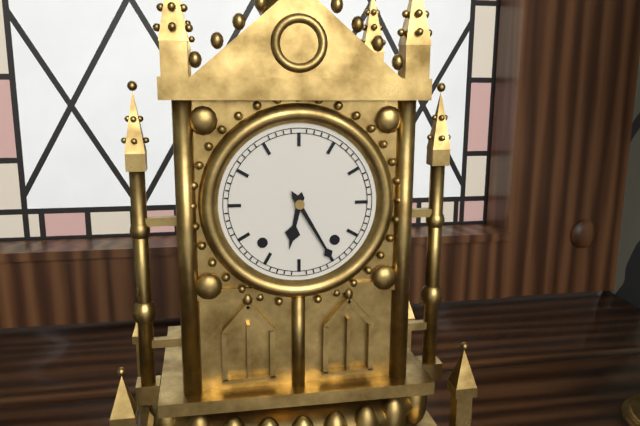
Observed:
6h25
